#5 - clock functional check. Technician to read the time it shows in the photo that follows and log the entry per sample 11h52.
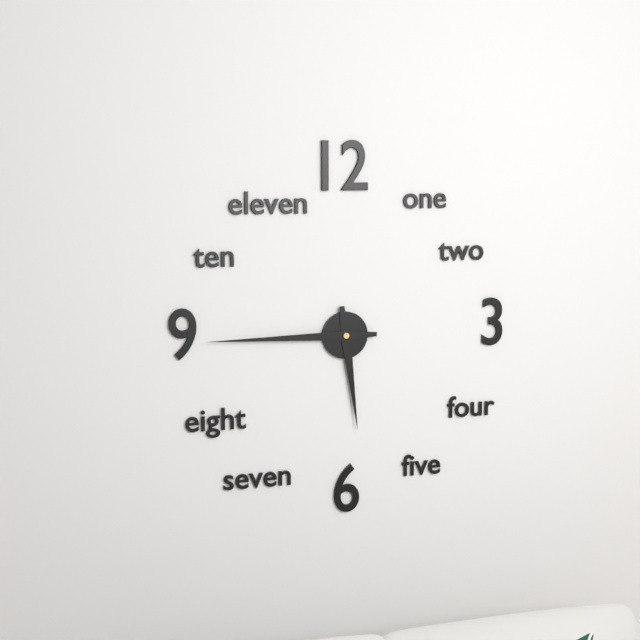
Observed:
5h45
